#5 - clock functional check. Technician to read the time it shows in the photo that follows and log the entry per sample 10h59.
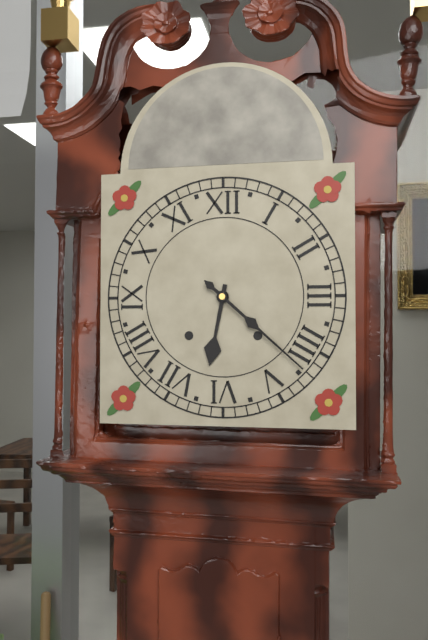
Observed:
6h22
